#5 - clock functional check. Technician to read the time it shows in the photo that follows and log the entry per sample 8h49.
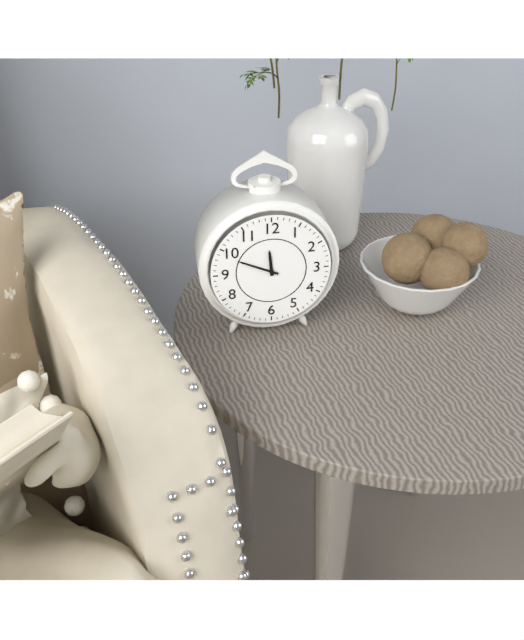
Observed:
11h49
